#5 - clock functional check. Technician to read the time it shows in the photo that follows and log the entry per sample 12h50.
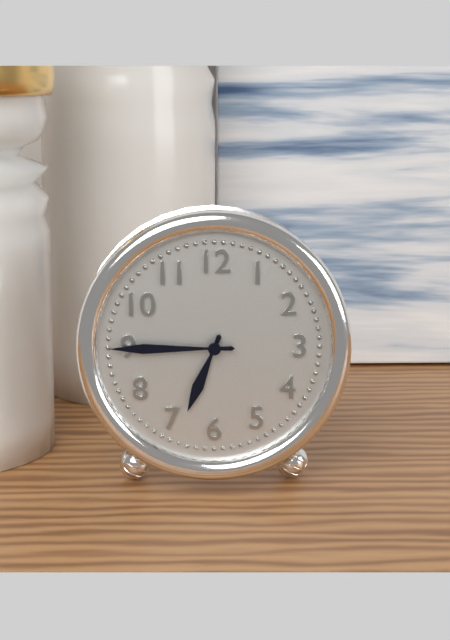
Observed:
6h45
